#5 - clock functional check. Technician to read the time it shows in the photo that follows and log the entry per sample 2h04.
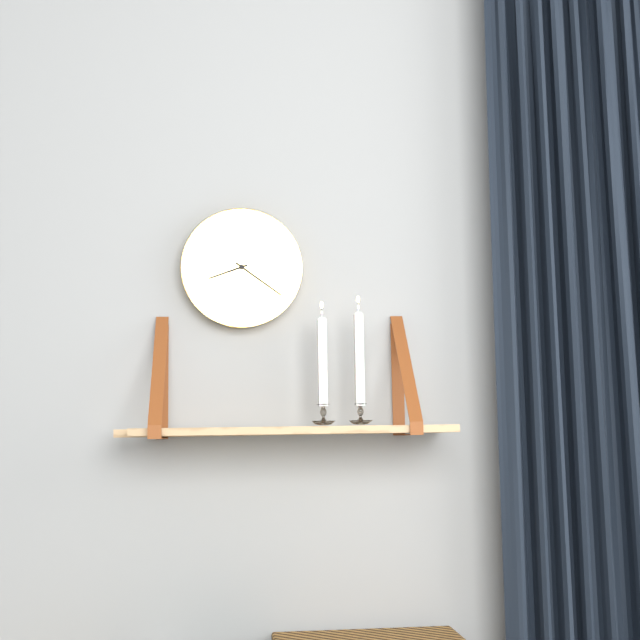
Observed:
8h21
